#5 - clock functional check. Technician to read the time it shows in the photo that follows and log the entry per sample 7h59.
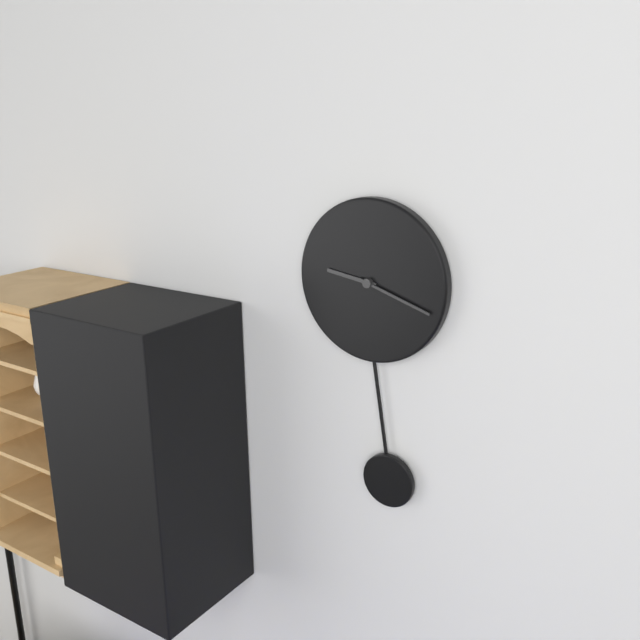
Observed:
9h18
